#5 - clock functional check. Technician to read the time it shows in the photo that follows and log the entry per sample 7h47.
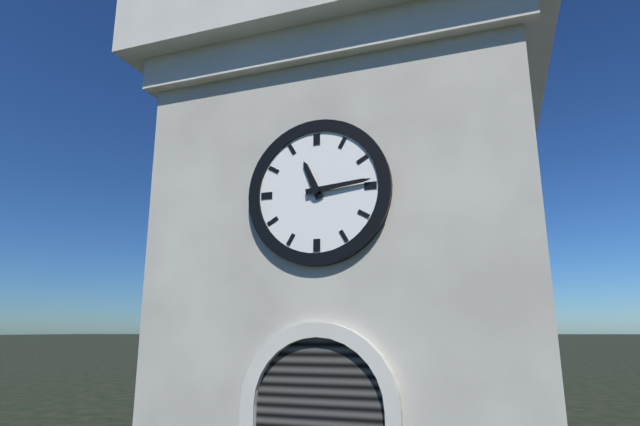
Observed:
11h14
